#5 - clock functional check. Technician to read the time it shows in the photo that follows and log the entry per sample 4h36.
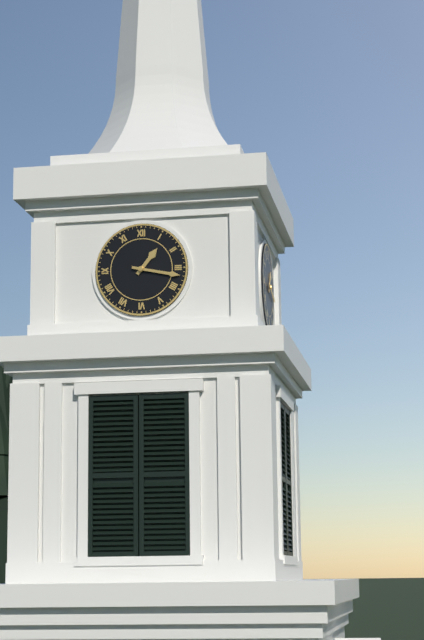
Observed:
1h17
